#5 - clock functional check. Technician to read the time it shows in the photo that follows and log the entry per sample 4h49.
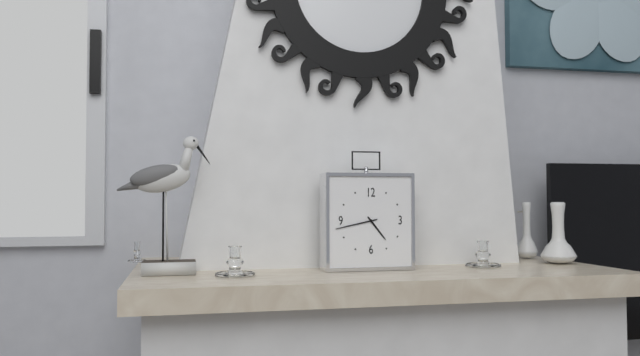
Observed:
4h43
